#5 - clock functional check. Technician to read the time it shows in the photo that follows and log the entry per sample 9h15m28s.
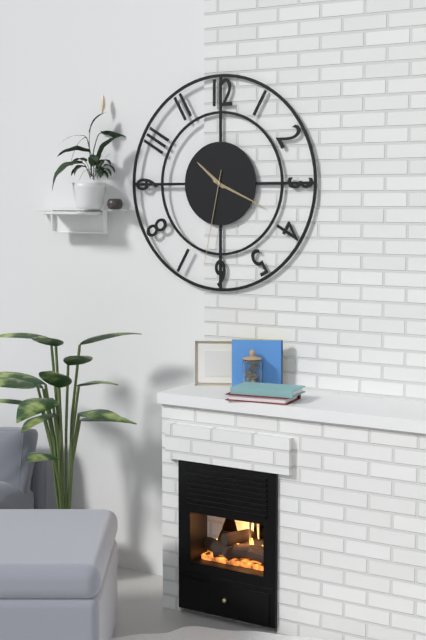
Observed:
10h19m32s
